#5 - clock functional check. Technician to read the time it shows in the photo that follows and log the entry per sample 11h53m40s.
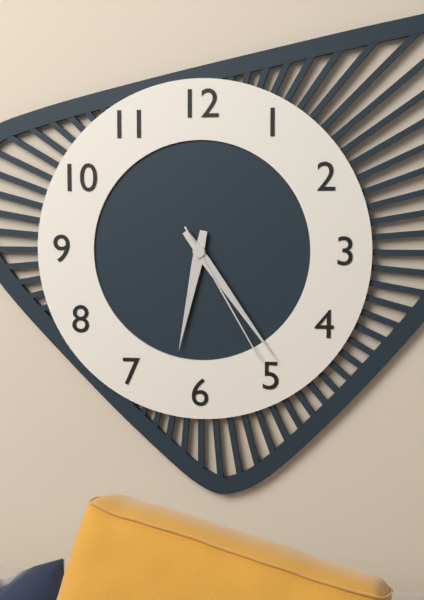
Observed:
6h24m25s
